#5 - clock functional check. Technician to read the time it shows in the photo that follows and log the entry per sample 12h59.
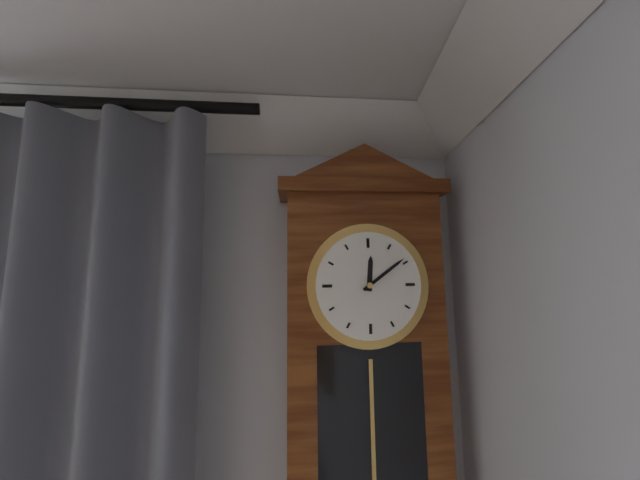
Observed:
12h09
